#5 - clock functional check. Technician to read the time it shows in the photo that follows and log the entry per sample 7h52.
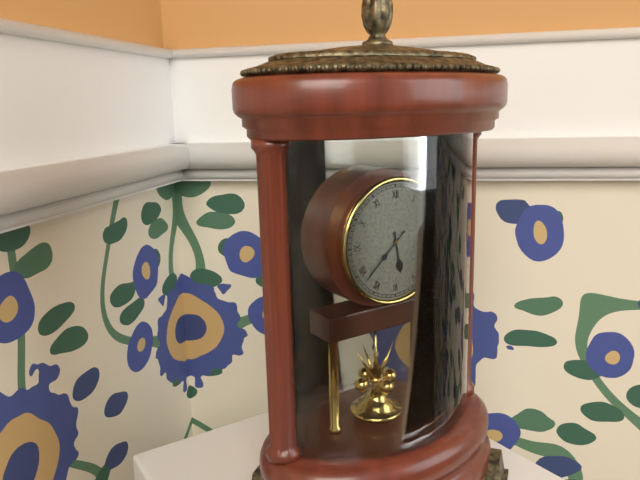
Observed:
5h38
